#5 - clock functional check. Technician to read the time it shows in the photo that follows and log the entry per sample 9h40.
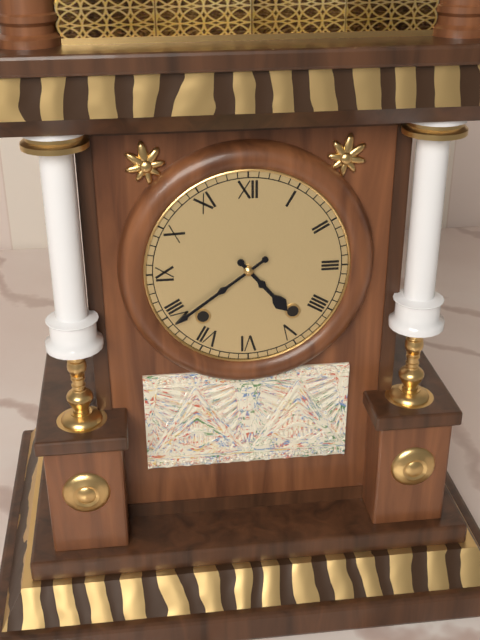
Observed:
4h39
